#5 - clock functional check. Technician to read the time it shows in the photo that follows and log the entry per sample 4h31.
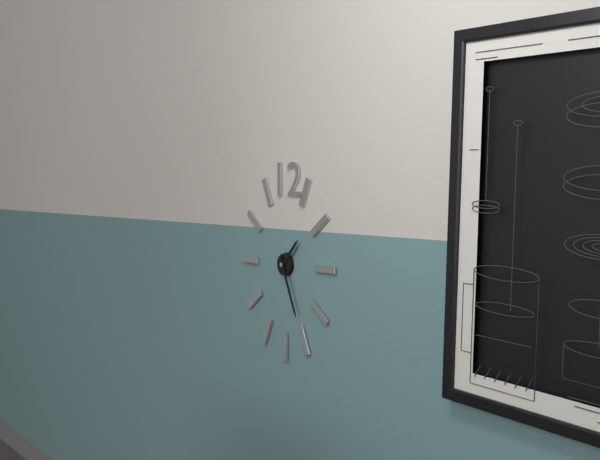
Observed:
1h26
